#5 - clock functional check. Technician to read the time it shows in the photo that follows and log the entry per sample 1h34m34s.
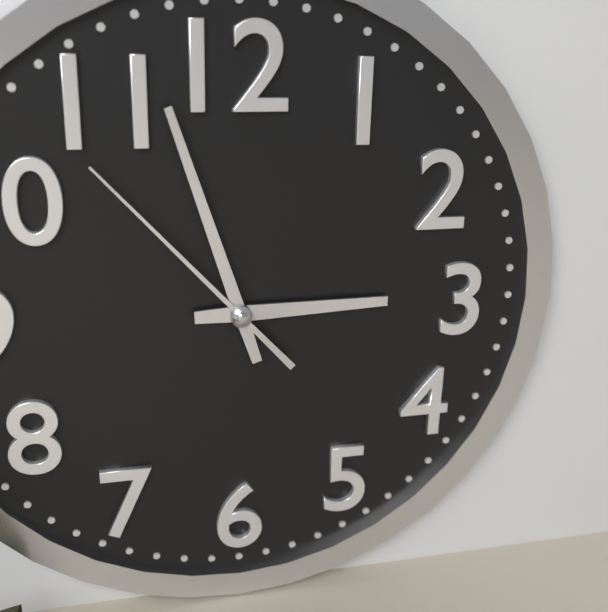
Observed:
2h57m53s
